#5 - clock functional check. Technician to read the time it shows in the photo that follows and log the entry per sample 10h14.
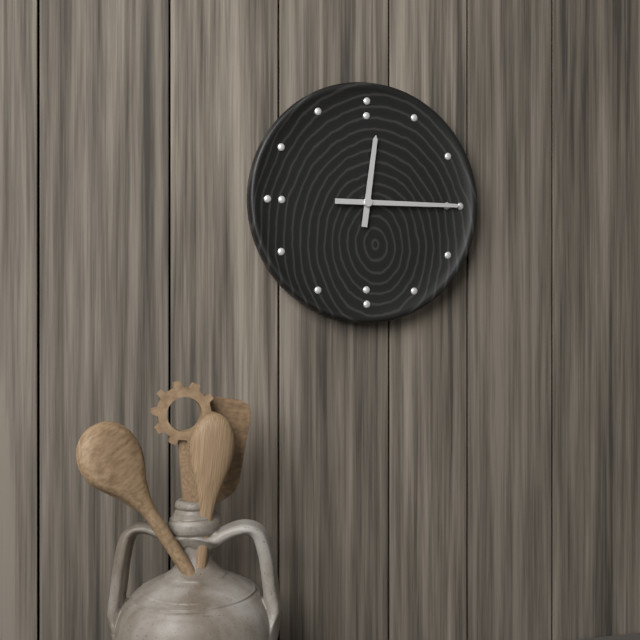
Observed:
12h15
